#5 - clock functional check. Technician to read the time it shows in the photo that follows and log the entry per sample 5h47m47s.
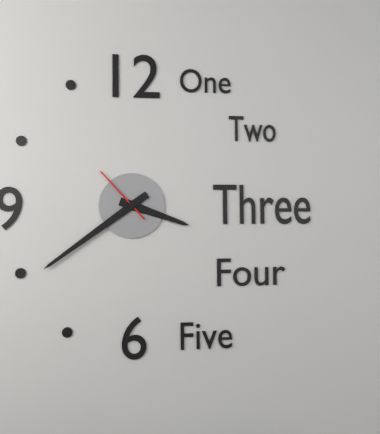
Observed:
3h39m53s
